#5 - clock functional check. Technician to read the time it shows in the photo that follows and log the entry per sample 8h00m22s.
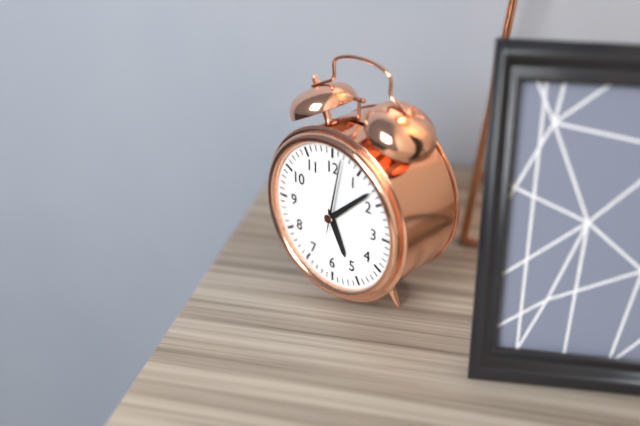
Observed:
5h08m02s
